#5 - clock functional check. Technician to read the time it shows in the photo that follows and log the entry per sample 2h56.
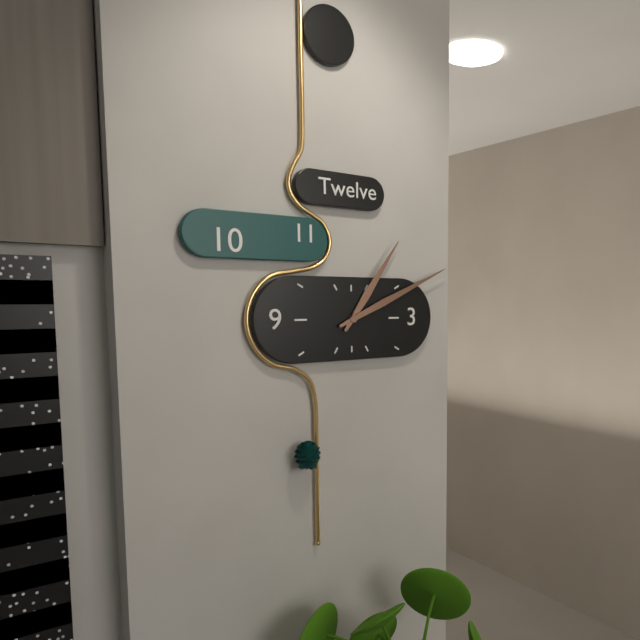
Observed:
1h11
